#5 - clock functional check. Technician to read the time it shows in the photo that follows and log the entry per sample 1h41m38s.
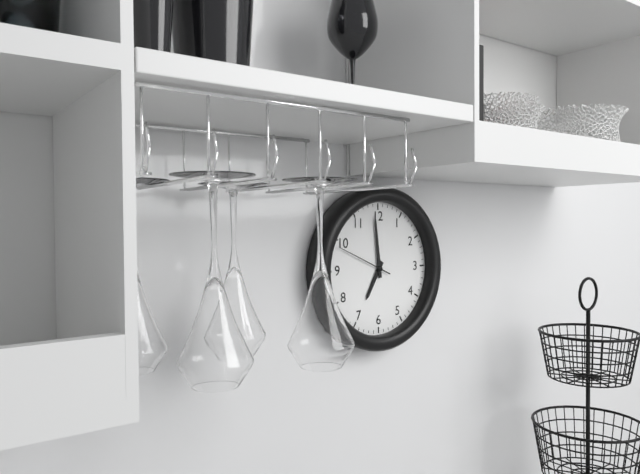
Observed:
6h59m49s
